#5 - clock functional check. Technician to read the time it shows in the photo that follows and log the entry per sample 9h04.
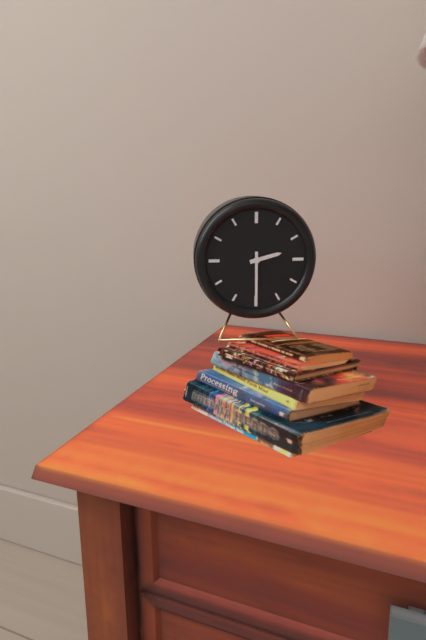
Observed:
2h30
